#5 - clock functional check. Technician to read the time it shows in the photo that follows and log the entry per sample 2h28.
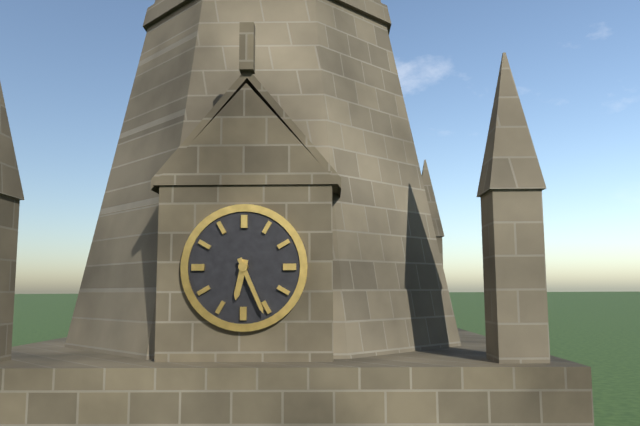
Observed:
6h26
